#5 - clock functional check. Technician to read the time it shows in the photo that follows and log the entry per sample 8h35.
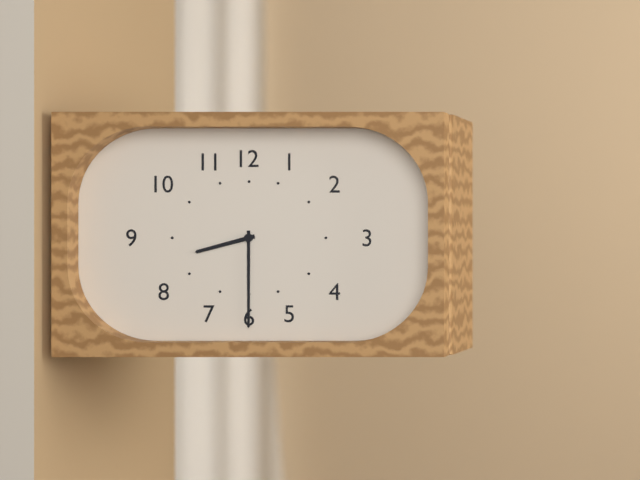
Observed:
8h30
